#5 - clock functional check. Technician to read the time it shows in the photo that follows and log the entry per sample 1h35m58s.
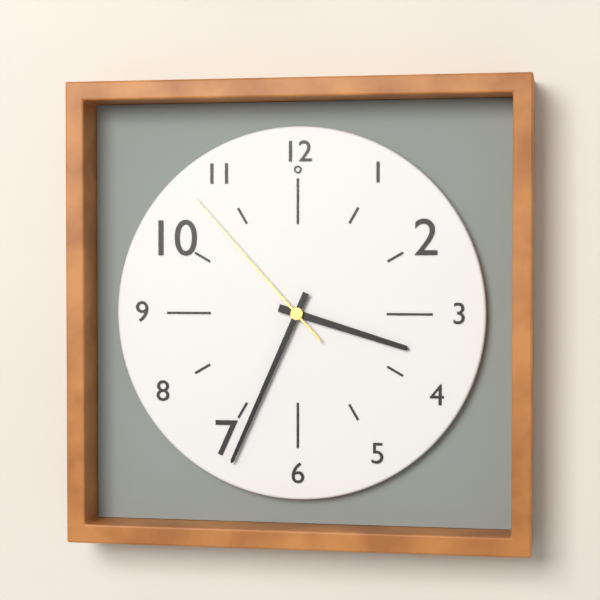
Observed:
3h34m53s
